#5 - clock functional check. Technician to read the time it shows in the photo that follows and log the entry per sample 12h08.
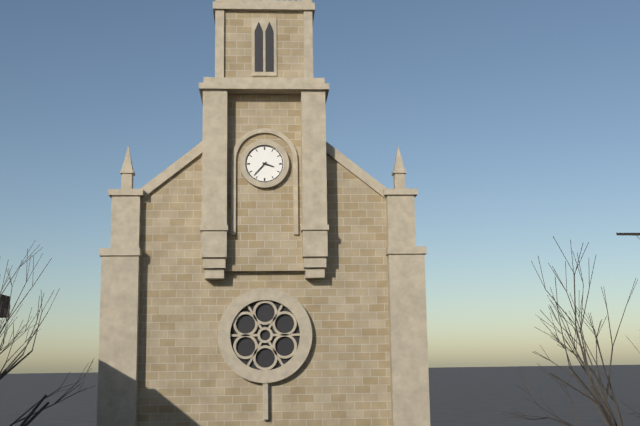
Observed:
3h37
